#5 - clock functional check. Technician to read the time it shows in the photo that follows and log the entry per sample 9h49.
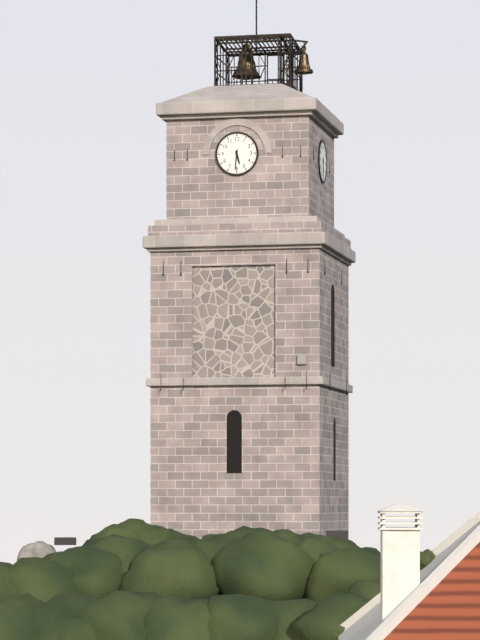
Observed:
5h31
